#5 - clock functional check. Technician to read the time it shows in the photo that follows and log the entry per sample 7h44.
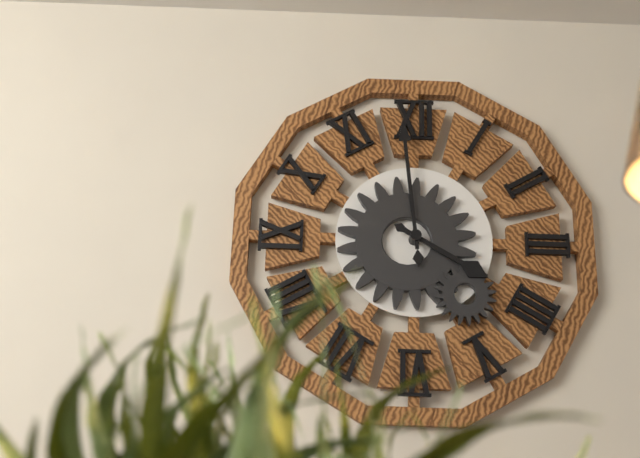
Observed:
3h59
